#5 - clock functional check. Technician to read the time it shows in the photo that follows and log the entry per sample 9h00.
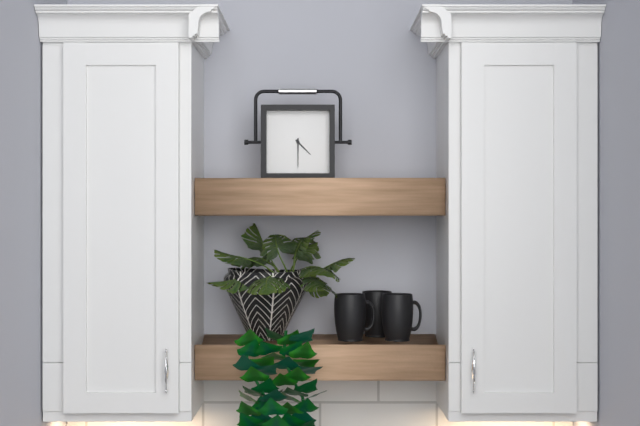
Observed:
4h30
